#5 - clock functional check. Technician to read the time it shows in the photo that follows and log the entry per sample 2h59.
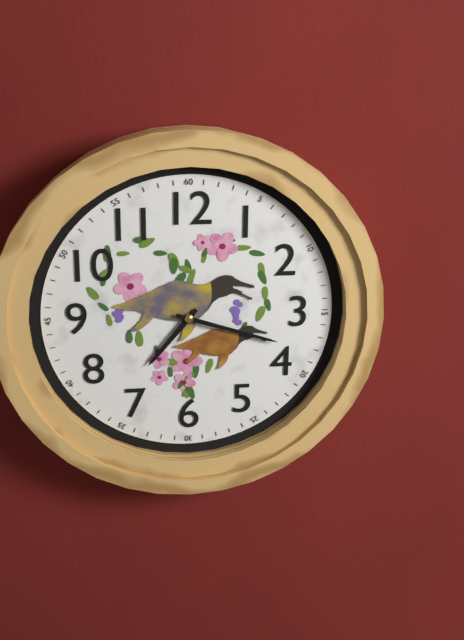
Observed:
7h18
